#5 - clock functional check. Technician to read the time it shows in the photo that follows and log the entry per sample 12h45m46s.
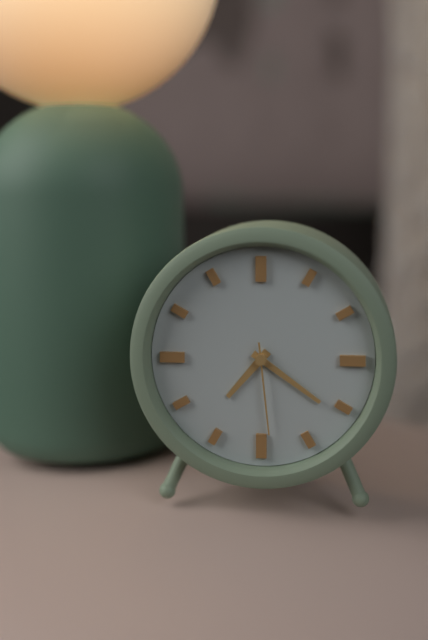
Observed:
7h21m29s
